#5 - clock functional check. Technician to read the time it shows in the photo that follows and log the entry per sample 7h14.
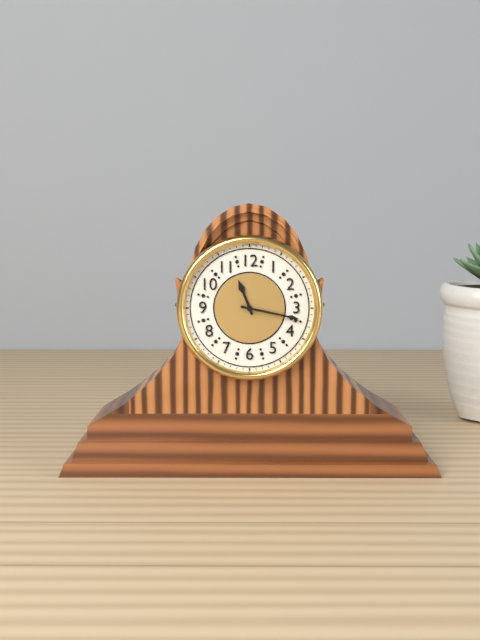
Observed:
11h17
